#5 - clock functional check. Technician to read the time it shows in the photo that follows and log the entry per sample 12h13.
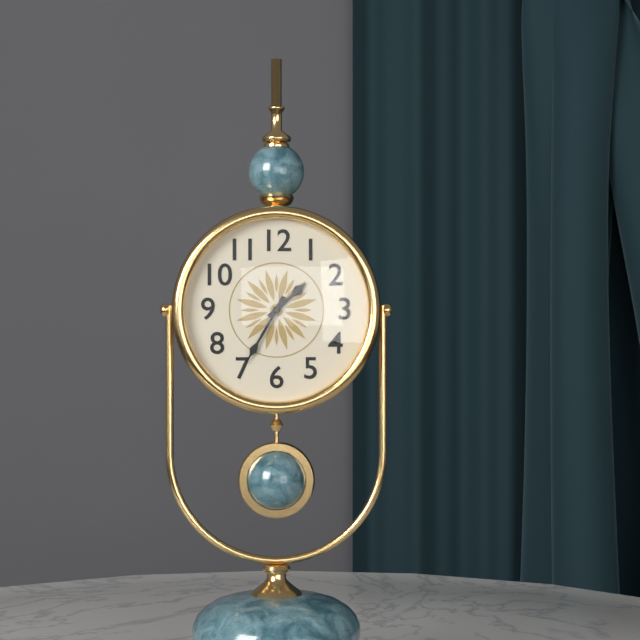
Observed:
1h35
